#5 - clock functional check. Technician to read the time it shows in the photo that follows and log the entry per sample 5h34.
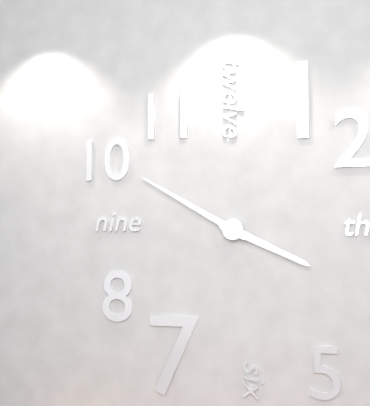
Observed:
3h50
